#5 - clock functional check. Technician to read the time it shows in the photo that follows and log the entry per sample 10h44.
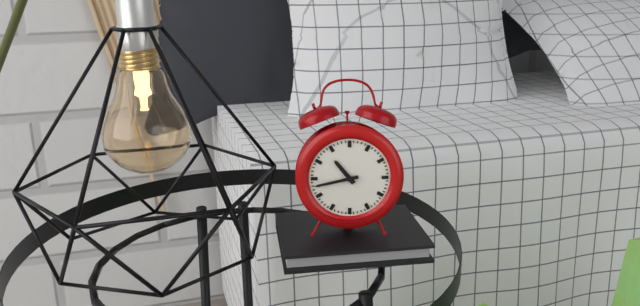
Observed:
10h43
